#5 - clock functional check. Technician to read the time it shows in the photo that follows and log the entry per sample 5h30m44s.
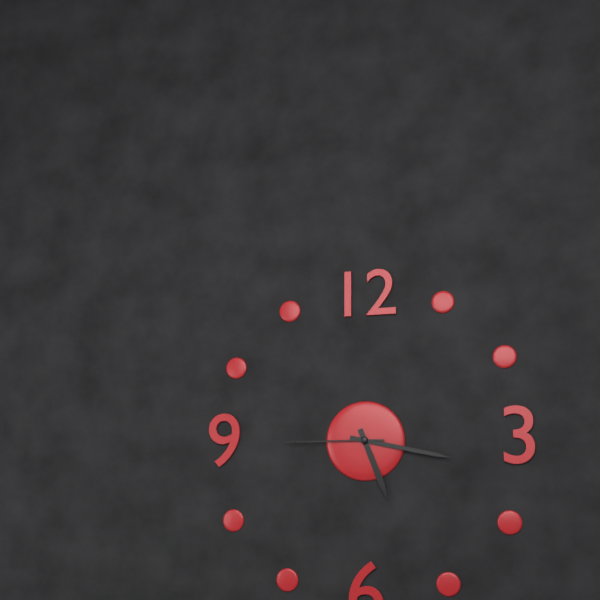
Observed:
5h17m45s
